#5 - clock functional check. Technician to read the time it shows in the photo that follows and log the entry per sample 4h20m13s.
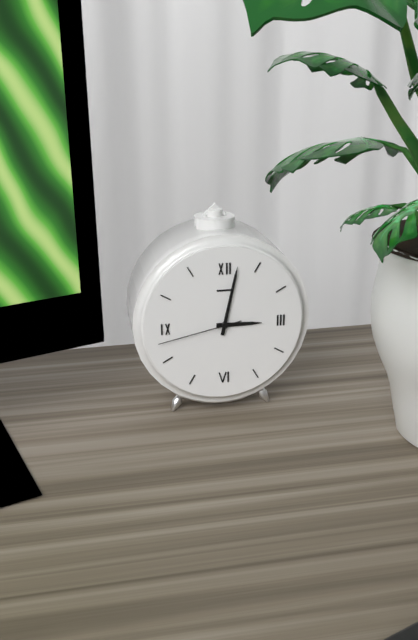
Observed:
3h02m43s
